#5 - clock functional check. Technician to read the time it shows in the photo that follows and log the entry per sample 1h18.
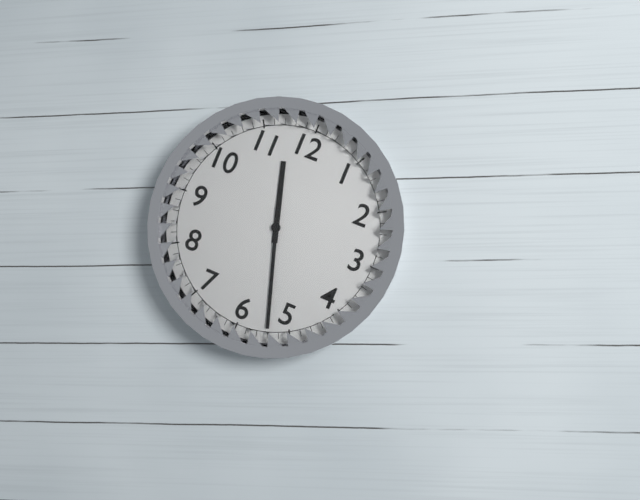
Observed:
11h27
